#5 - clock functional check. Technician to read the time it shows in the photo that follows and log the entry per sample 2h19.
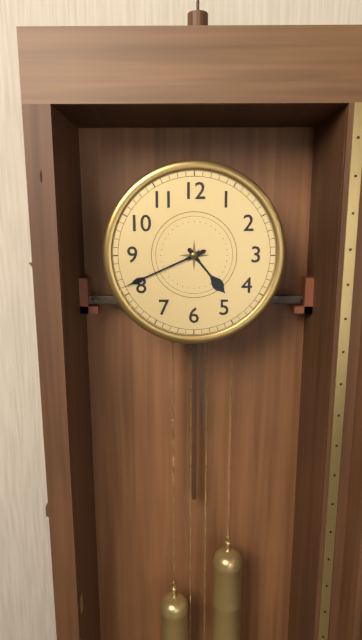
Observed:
4h41
